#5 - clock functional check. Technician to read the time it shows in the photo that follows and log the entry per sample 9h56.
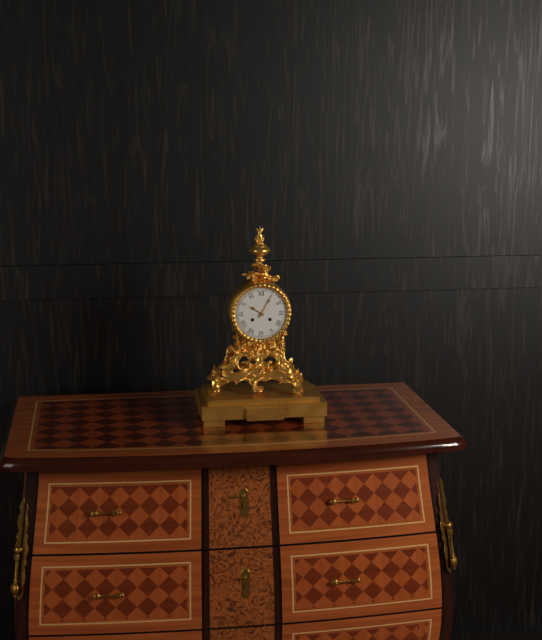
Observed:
10h05
